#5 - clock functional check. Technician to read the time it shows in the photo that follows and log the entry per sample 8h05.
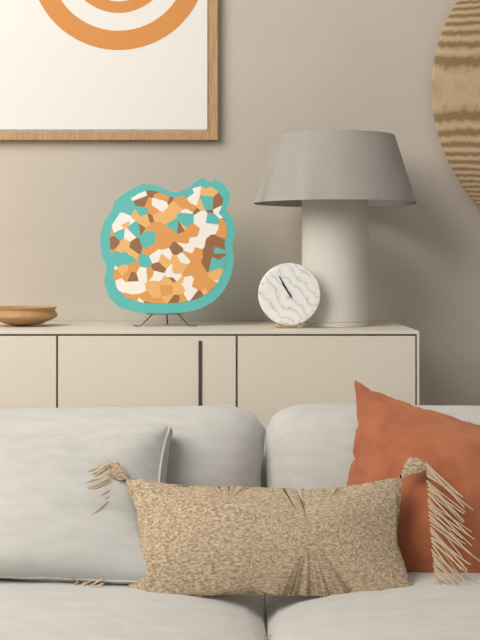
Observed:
10h55
